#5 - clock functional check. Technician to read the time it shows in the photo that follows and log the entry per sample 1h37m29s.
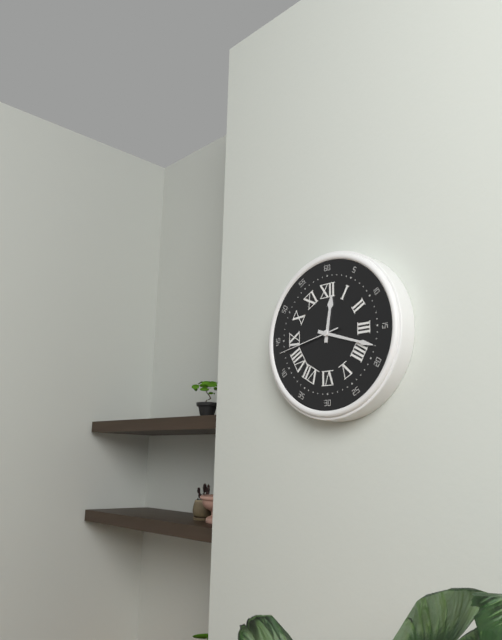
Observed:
12h18m43s
